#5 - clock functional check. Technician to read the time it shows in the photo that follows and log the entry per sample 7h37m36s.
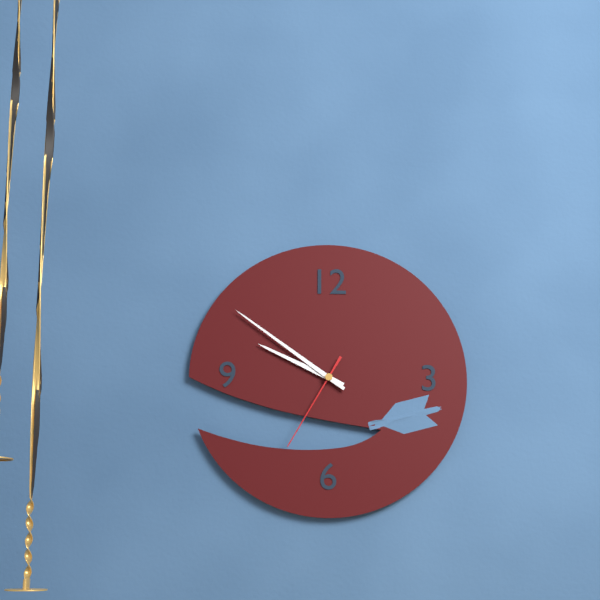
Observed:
9h51m35s
